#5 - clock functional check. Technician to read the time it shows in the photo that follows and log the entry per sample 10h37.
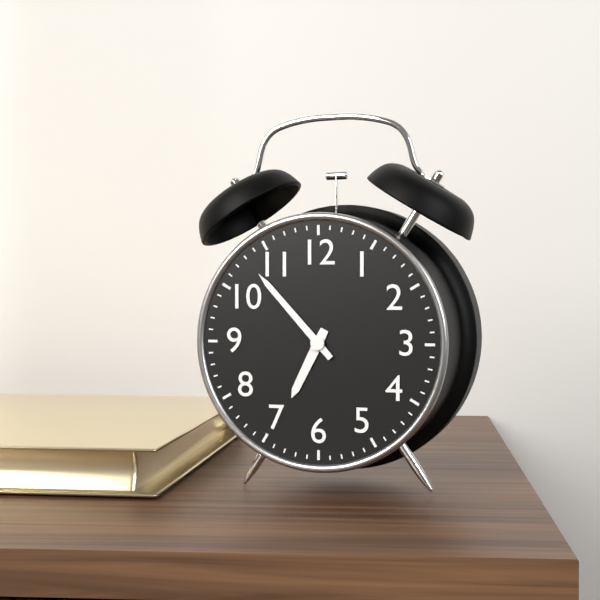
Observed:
6h53
